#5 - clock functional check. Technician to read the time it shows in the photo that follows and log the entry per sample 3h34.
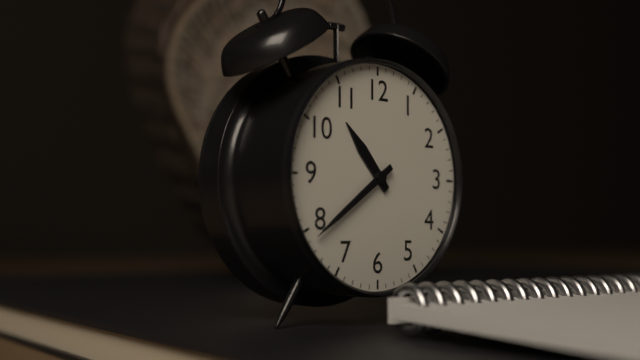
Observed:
10h39
